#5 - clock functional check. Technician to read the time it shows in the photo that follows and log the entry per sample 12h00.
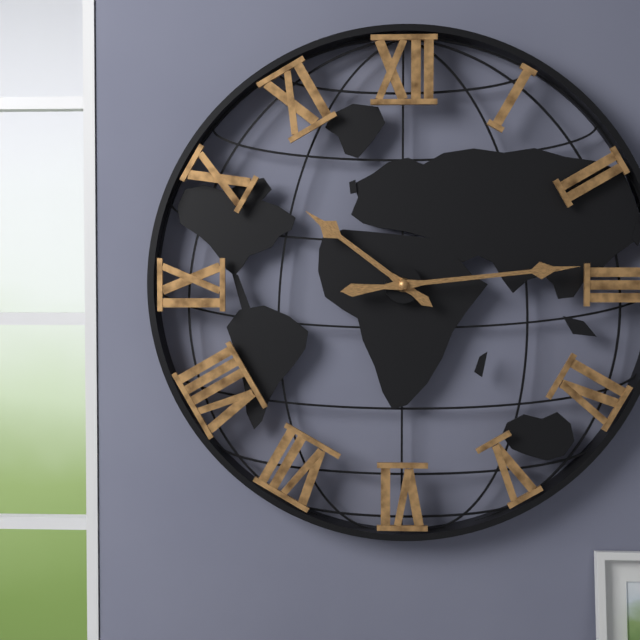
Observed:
10h14
